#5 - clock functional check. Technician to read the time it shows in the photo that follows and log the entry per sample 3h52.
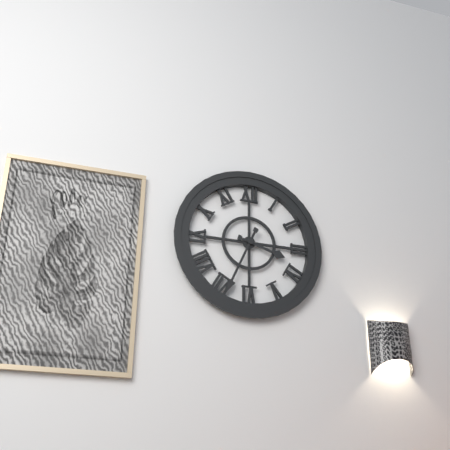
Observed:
3h34
